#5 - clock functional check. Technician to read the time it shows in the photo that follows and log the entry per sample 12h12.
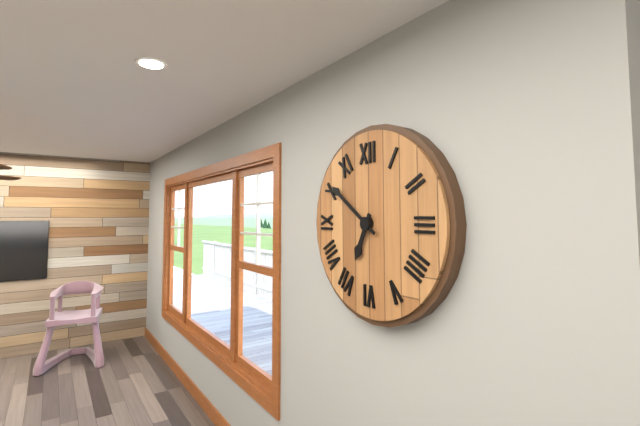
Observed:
6h51
